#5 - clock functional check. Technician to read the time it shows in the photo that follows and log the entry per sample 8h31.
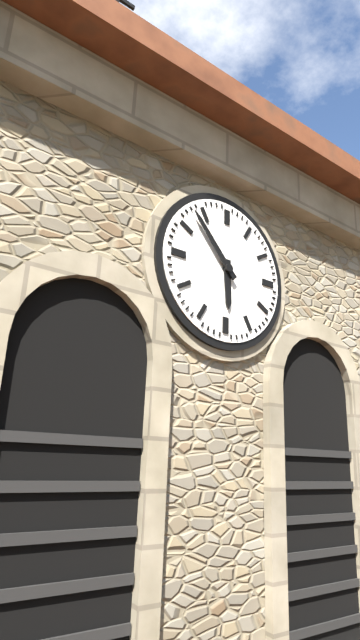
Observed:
5h53
